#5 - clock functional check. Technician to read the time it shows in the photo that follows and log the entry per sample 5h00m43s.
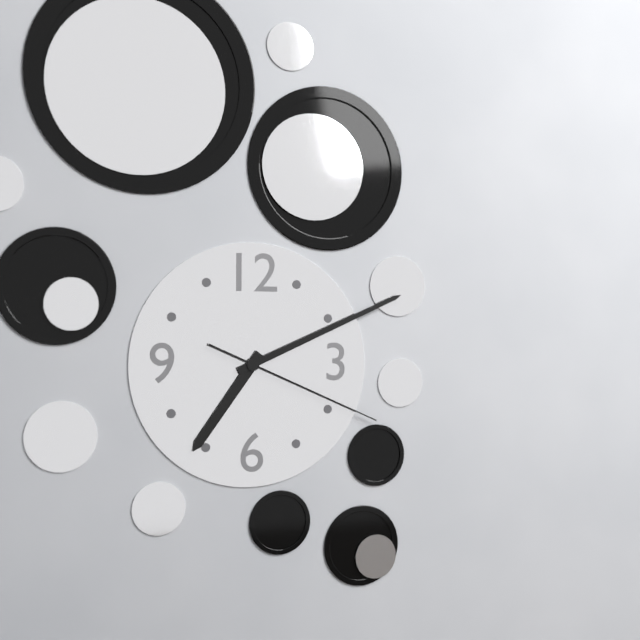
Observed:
7h11m19s
